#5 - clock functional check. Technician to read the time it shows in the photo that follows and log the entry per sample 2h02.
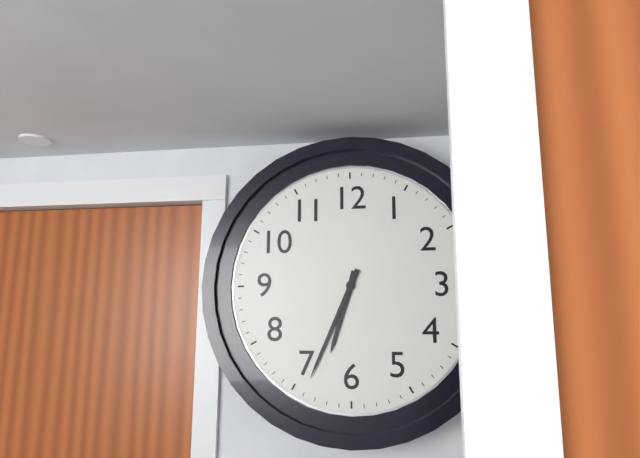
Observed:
6h34
